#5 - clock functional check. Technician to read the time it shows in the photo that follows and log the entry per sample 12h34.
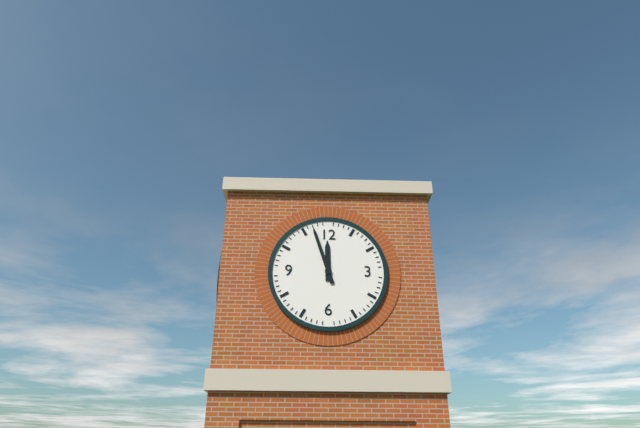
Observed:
11h57
